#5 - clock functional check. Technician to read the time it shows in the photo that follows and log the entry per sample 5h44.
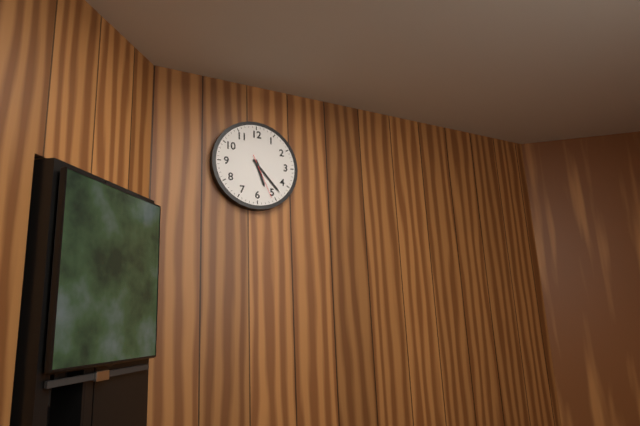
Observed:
5h23
